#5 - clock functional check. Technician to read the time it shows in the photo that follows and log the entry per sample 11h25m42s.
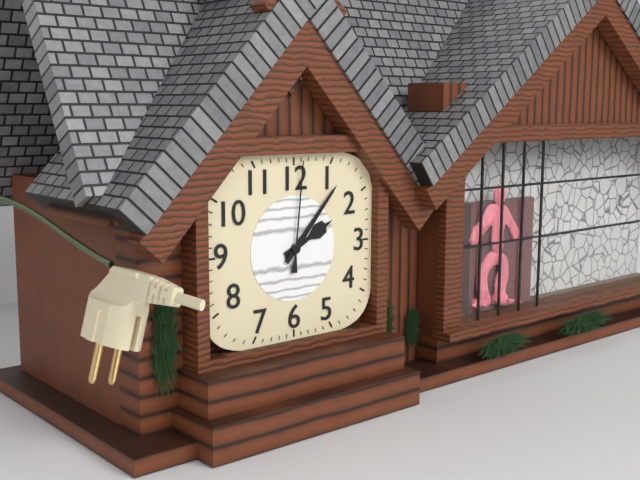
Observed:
2h07m01s
